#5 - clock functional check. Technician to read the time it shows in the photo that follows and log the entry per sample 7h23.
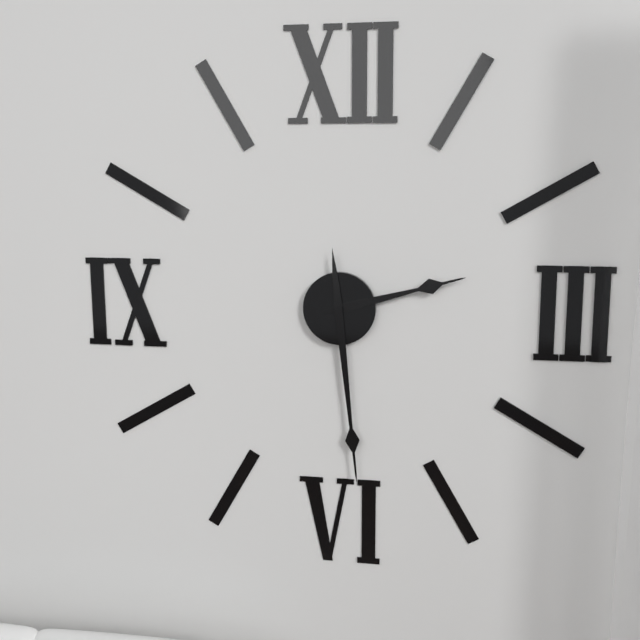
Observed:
2h29
